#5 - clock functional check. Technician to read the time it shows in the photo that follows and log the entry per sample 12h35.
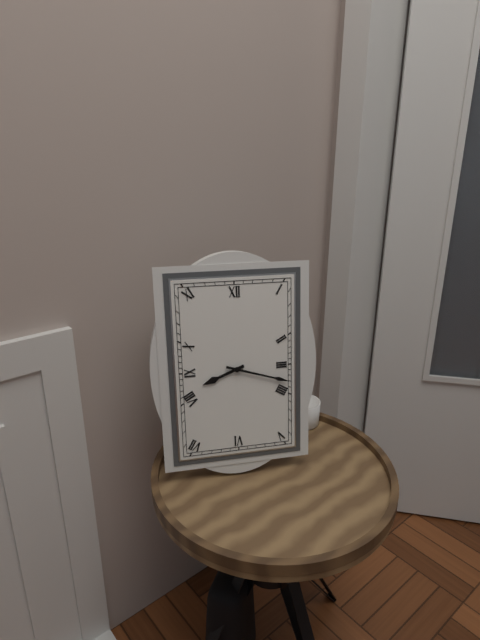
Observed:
8h18
